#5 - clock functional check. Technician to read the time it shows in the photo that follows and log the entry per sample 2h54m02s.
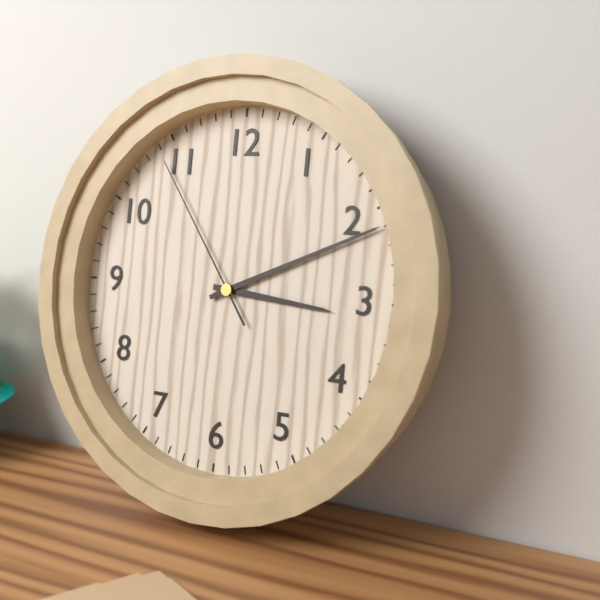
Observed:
3h11m54s
